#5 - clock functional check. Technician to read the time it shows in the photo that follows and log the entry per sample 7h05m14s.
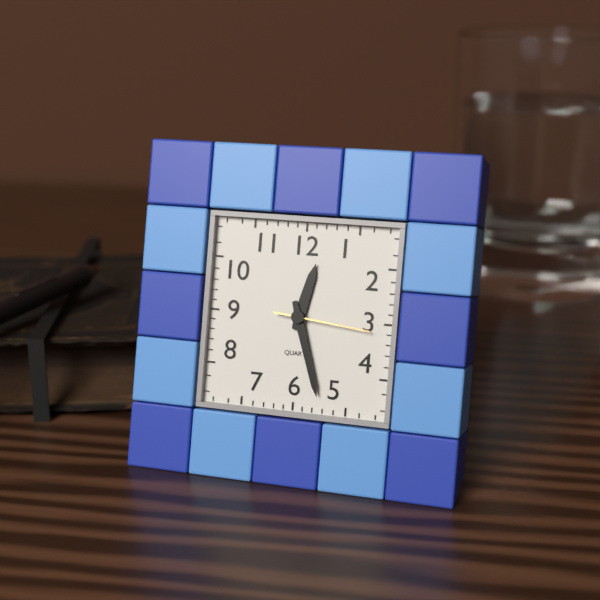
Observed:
12h27m16s
